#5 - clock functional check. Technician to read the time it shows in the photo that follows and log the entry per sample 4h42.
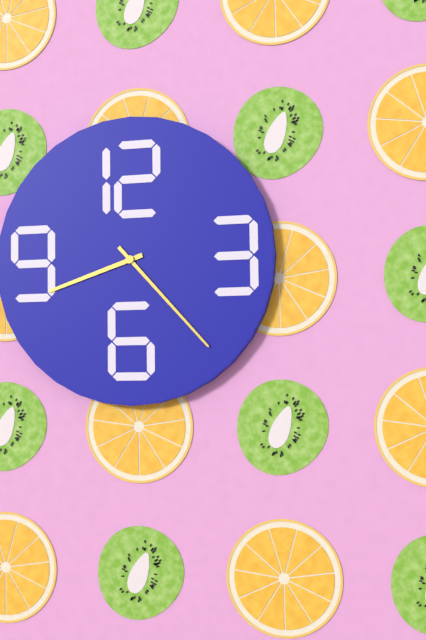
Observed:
8h23
